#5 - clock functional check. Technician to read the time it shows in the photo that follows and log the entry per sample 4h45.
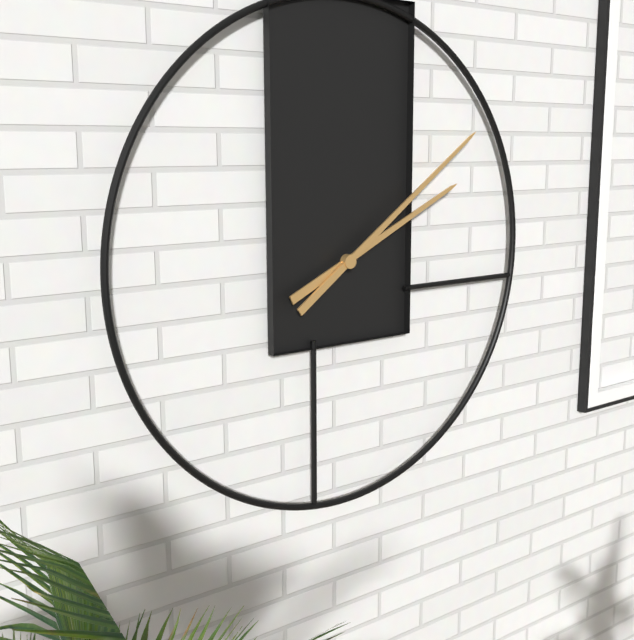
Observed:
2h09
